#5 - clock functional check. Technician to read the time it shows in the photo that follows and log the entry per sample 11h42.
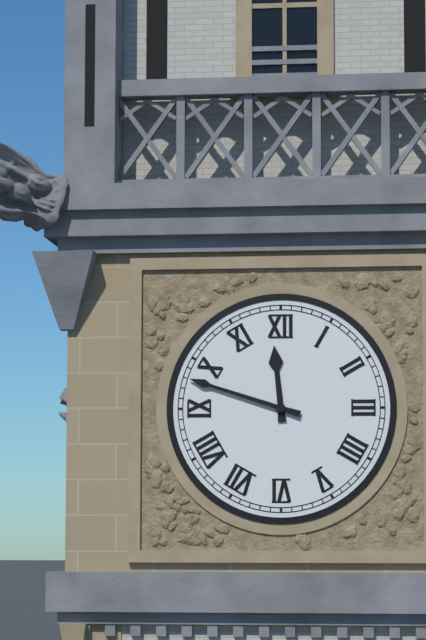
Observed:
11h48
